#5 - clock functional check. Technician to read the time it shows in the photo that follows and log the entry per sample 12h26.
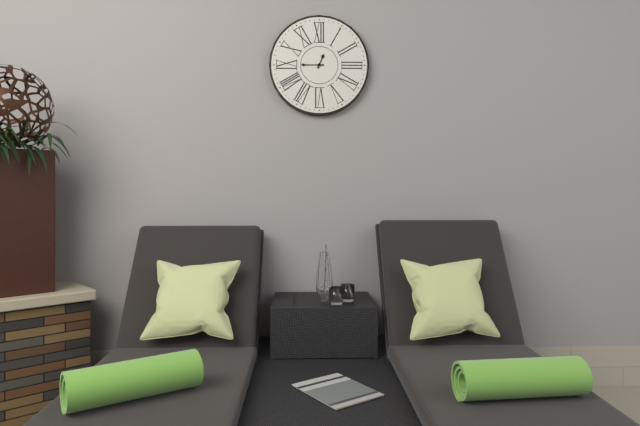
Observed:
12h45
